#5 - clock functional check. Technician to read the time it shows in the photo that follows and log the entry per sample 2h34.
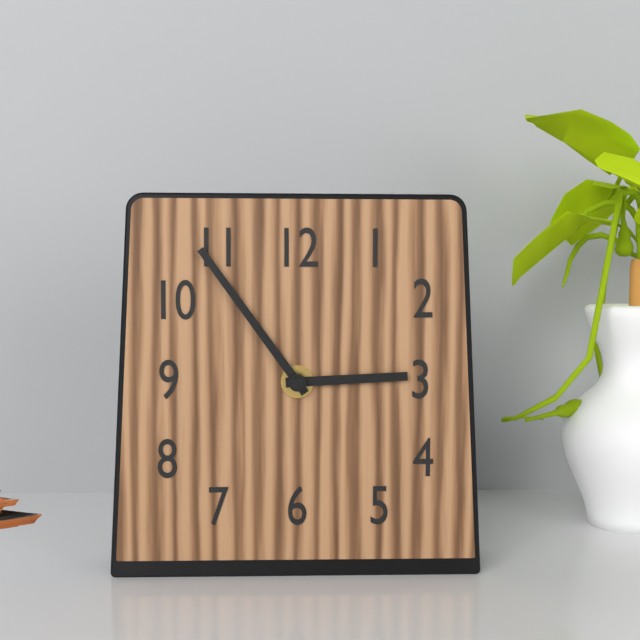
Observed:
2h54
